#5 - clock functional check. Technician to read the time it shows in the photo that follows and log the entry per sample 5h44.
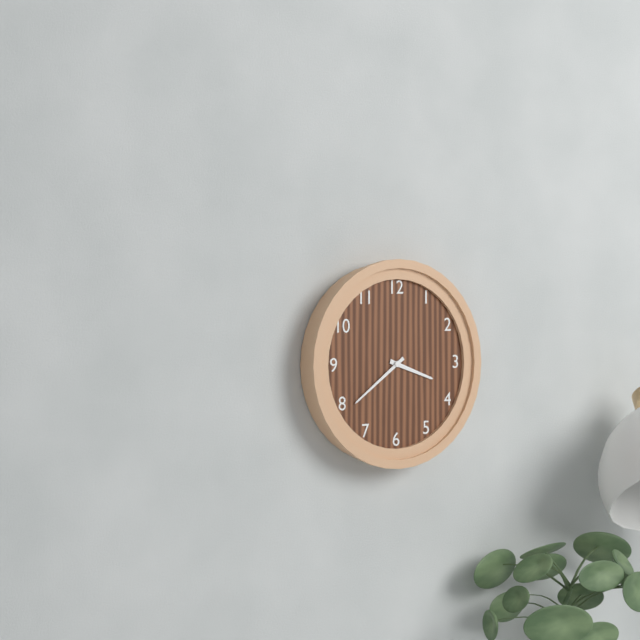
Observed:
3h39
